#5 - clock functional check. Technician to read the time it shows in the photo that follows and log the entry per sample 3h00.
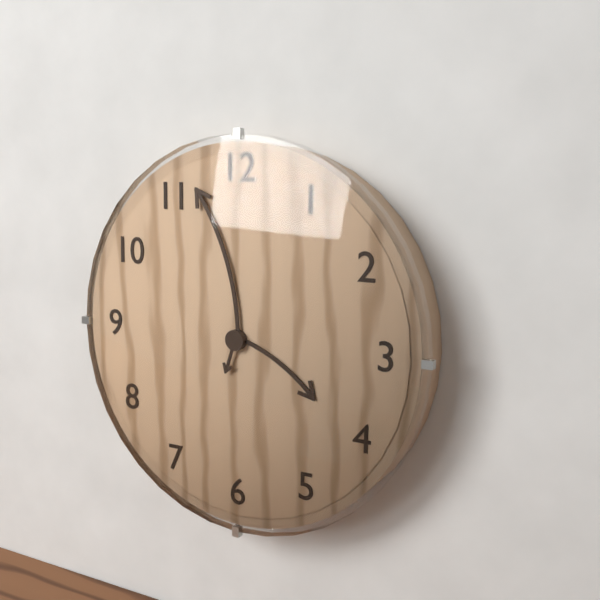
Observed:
3h57
